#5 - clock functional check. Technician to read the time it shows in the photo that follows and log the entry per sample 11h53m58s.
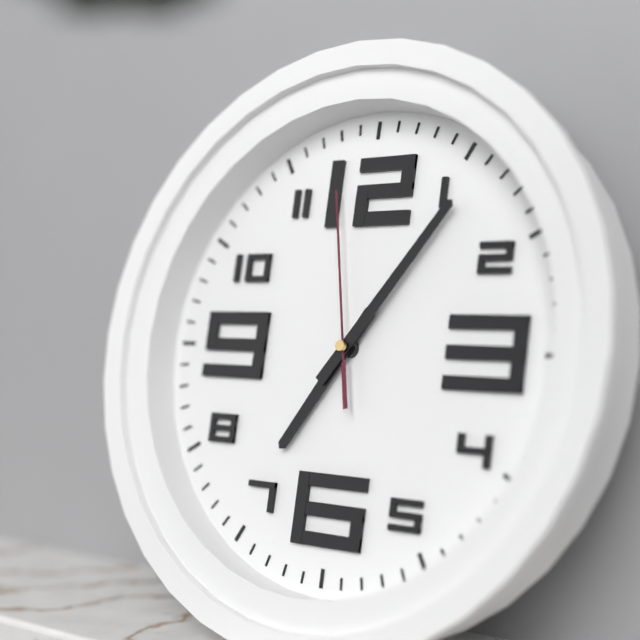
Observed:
7h06m58s
